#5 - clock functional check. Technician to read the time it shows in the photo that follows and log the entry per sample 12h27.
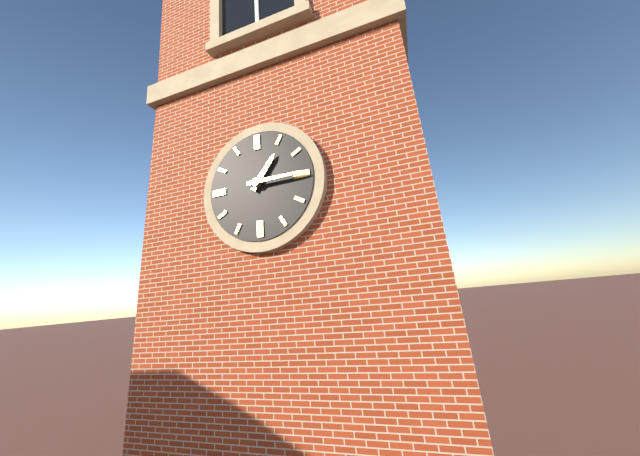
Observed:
1h15
